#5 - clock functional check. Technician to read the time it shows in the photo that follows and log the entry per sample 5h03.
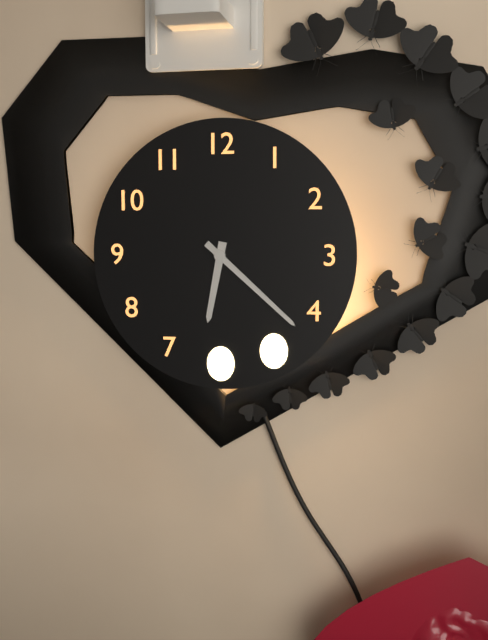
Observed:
6h22
